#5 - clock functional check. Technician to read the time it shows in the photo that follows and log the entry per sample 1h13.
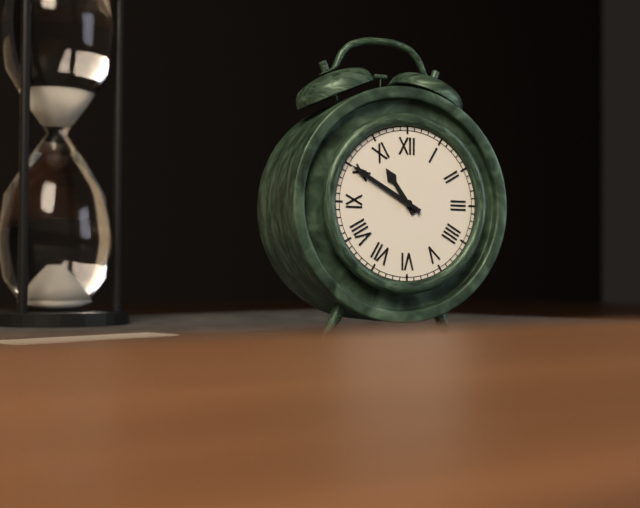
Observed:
10h50
